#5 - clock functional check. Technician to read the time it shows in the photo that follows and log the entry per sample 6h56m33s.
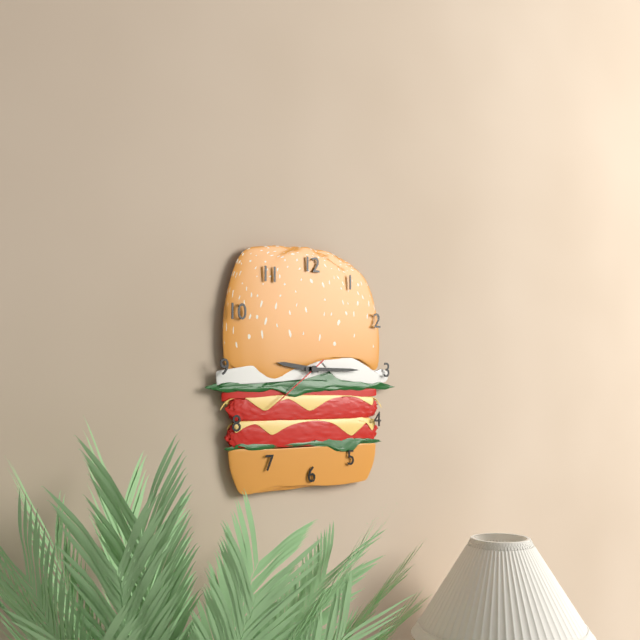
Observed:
9h15m39s
